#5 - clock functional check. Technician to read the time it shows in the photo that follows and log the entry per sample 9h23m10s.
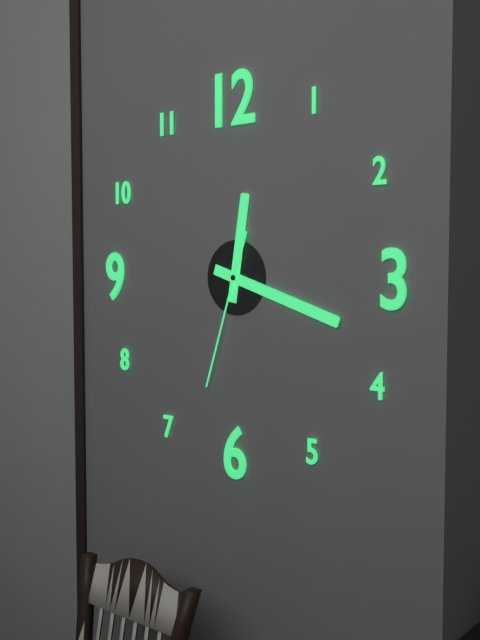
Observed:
12h18m33s
